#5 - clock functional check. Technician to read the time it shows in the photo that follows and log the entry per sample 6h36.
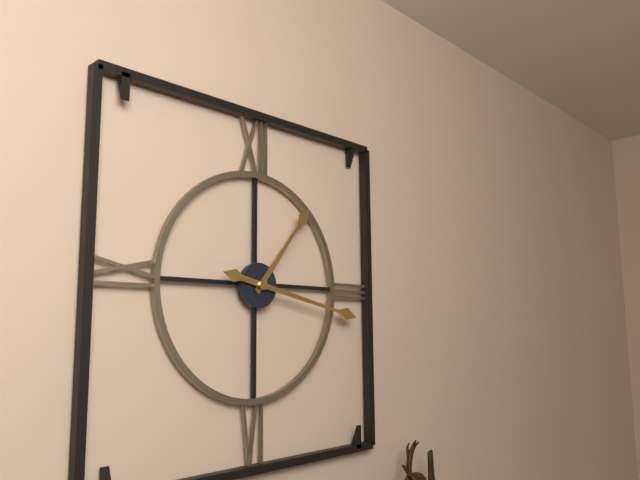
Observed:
1h17
